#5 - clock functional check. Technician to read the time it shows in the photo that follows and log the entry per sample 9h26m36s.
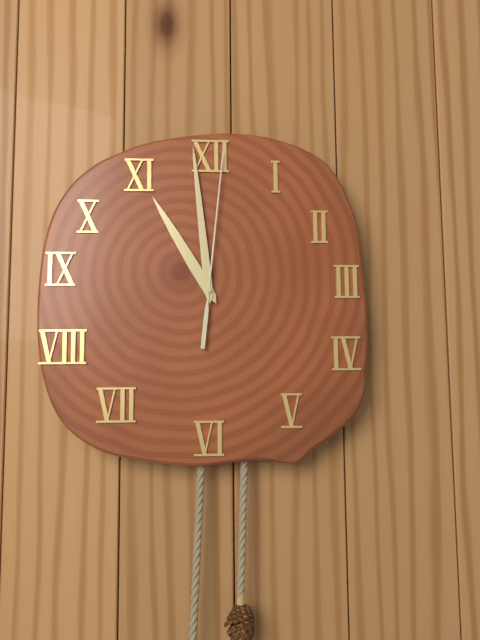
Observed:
10h59m01s
